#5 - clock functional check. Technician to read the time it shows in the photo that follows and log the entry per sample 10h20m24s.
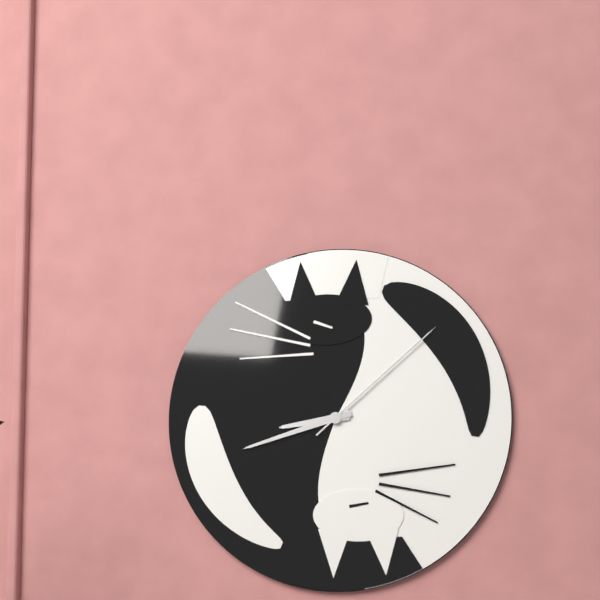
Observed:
8h42m08s
